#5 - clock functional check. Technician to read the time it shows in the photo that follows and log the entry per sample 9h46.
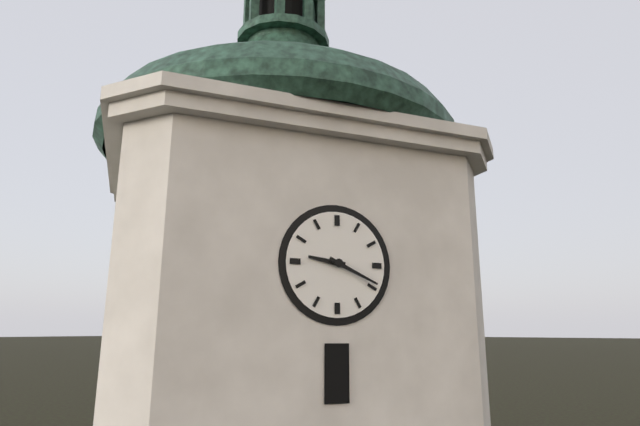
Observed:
9h19
